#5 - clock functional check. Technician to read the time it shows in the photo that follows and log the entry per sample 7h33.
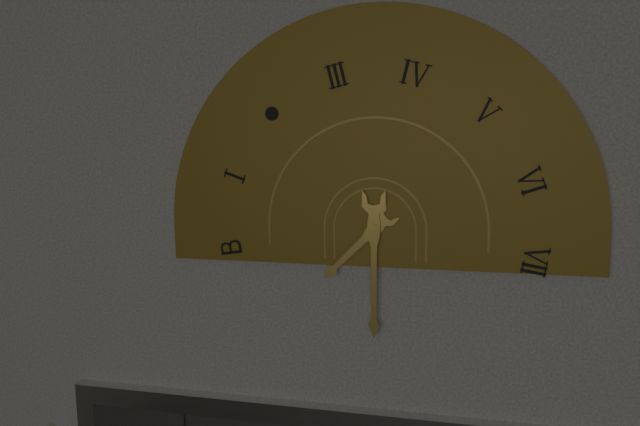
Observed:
7h30
